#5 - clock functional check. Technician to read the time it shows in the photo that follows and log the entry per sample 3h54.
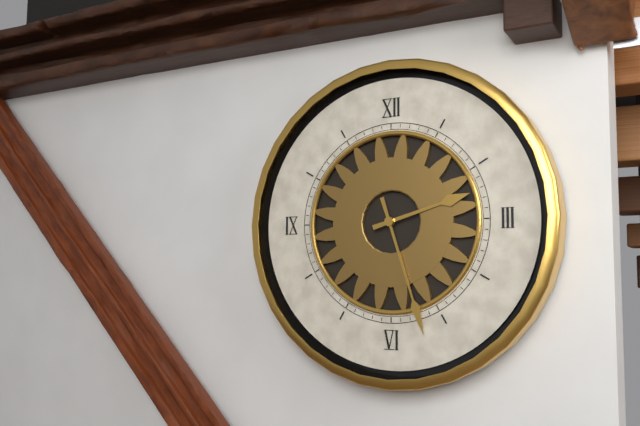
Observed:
2h27
